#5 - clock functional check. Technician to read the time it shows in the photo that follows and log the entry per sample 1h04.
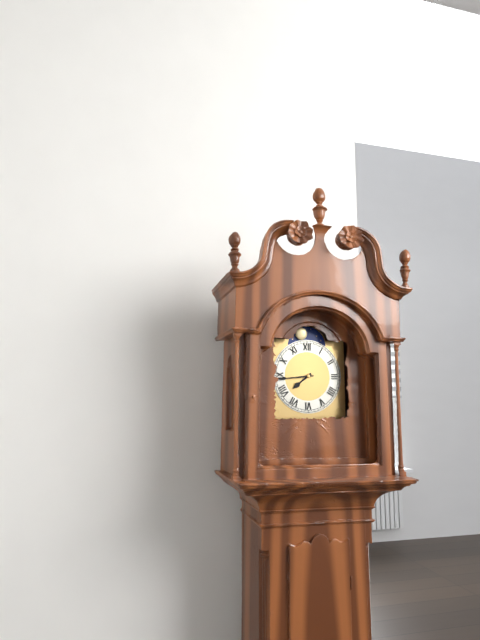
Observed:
7h44
